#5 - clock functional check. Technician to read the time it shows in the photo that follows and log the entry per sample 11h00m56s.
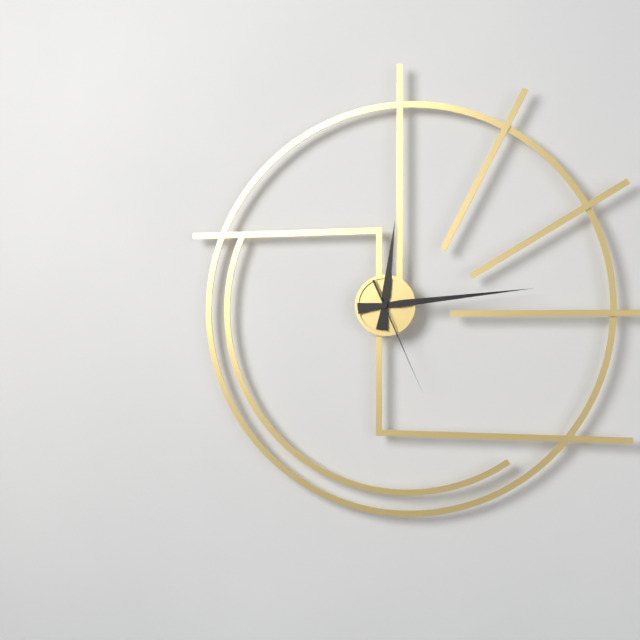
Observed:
12h14m26s
